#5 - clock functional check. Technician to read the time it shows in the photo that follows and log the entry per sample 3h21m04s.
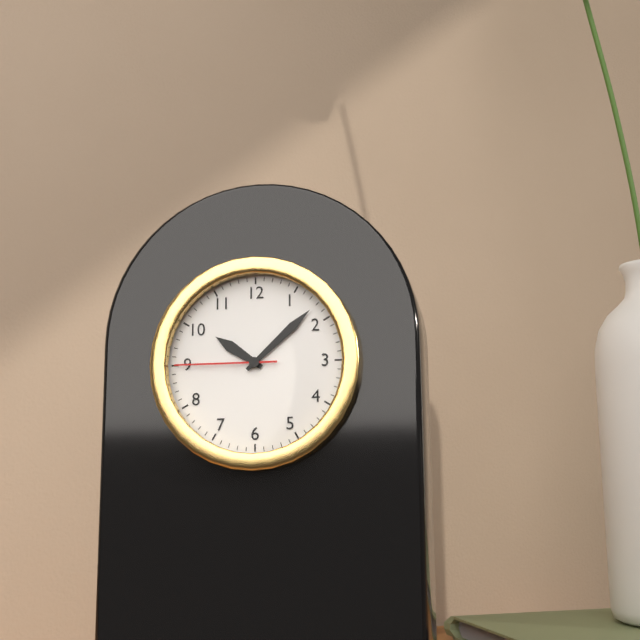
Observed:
10h08m45s
